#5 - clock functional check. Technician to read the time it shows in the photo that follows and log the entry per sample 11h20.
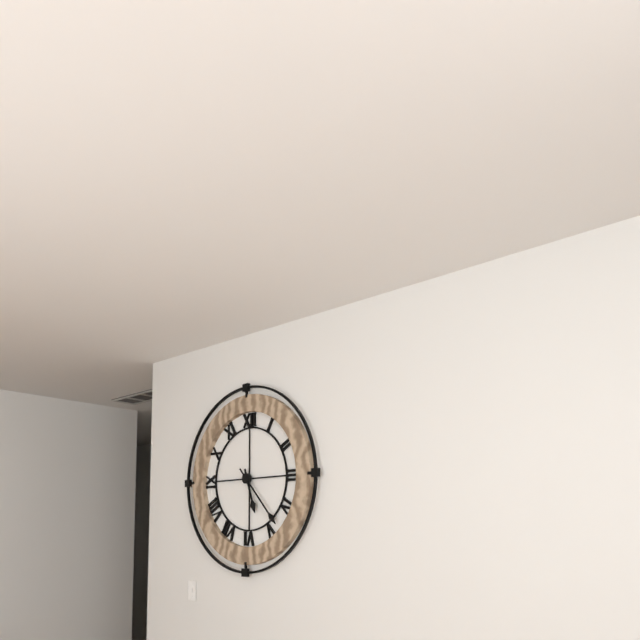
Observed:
5h23
